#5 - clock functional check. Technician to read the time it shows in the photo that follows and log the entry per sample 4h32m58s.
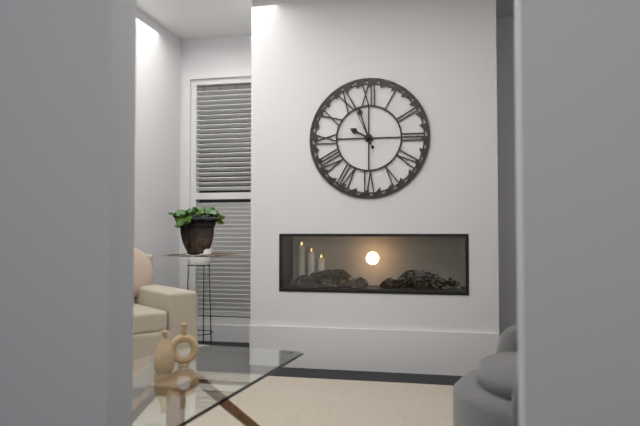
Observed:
9h57m56s
